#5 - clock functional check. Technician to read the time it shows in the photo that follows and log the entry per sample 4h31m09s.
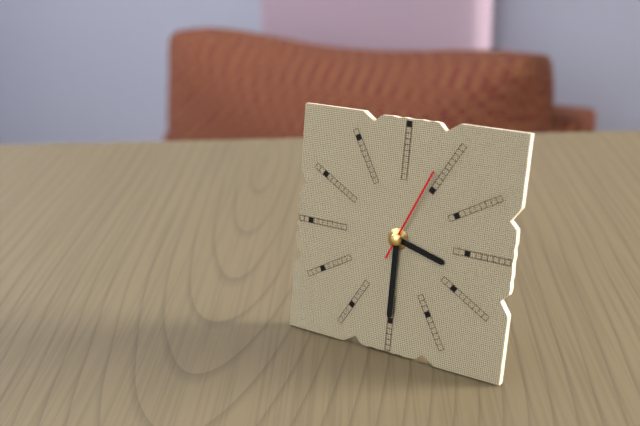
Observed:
3h30m04s
